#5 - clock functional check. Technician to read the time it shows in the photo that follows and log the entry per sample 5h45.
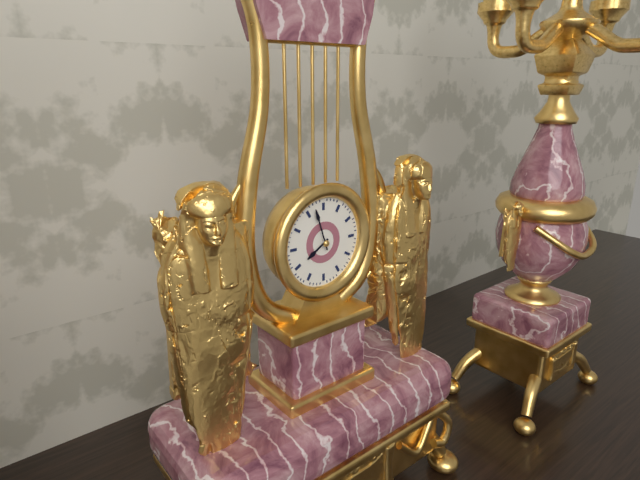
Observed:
7h57
